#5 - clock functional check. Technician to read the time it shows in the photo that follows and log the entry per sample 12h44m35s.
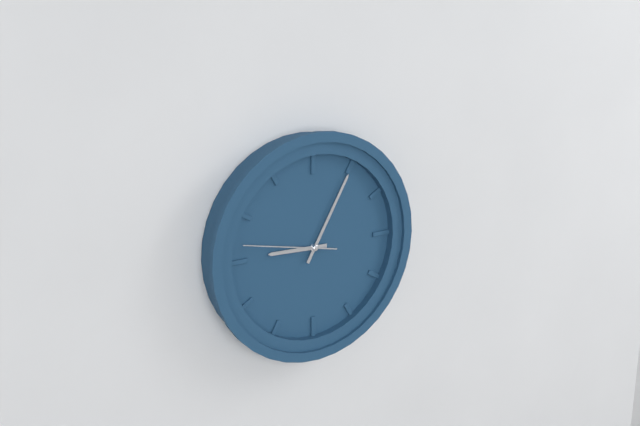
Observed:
9h05m47s
